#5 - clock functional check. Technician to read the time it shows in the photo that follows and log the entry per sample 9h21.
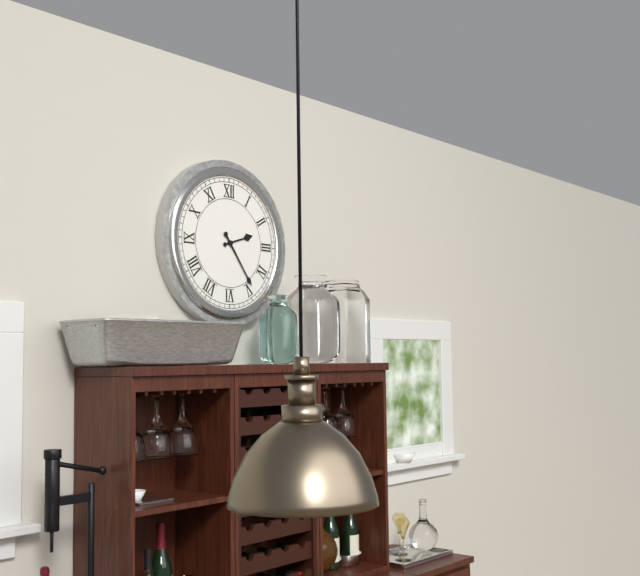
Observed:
2h24
